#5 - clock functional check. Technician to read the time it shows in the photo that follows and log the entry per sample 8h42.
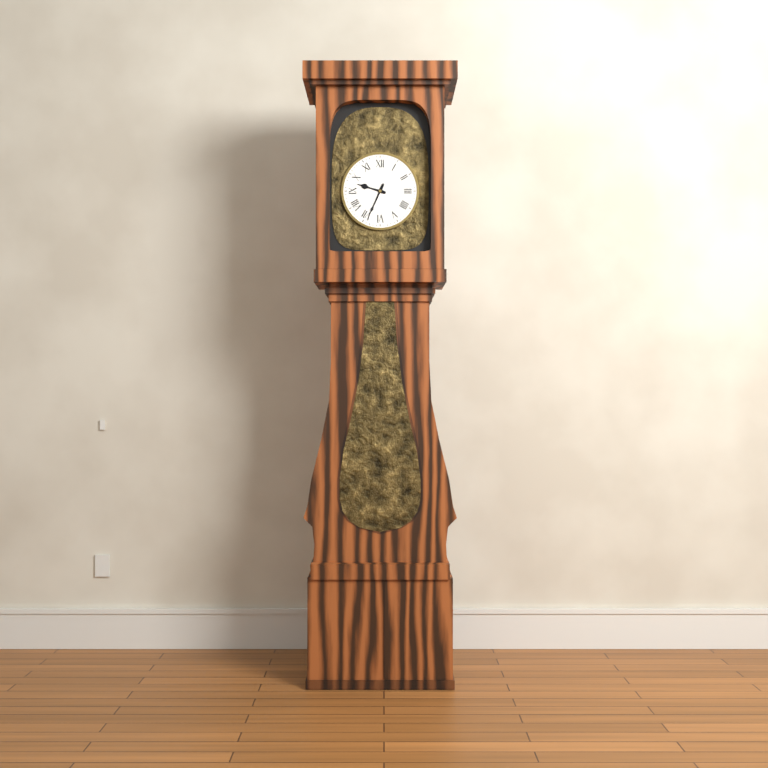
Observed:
9h34
